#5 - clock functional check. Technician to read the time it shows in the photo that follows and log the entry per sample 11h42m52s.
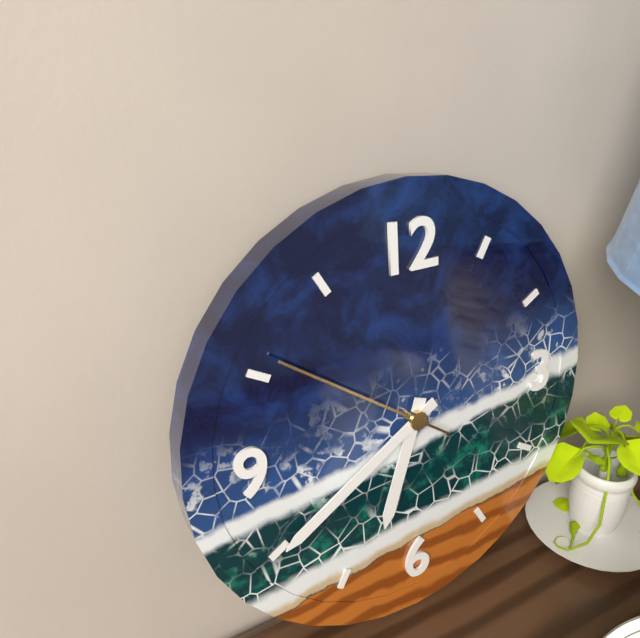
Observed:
6h40m51s
